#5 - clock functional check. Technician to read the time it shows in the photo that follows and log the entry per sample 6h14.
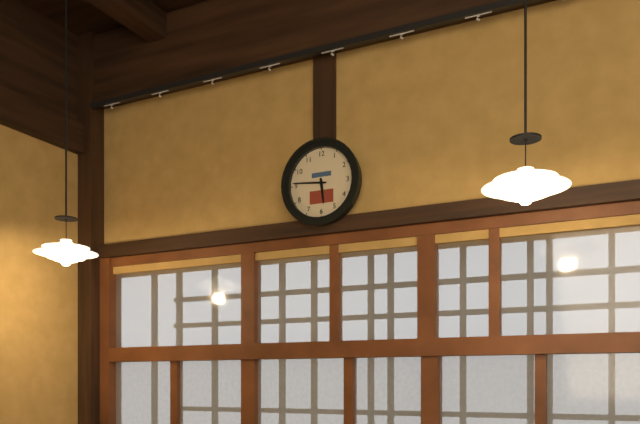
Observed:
5h46
